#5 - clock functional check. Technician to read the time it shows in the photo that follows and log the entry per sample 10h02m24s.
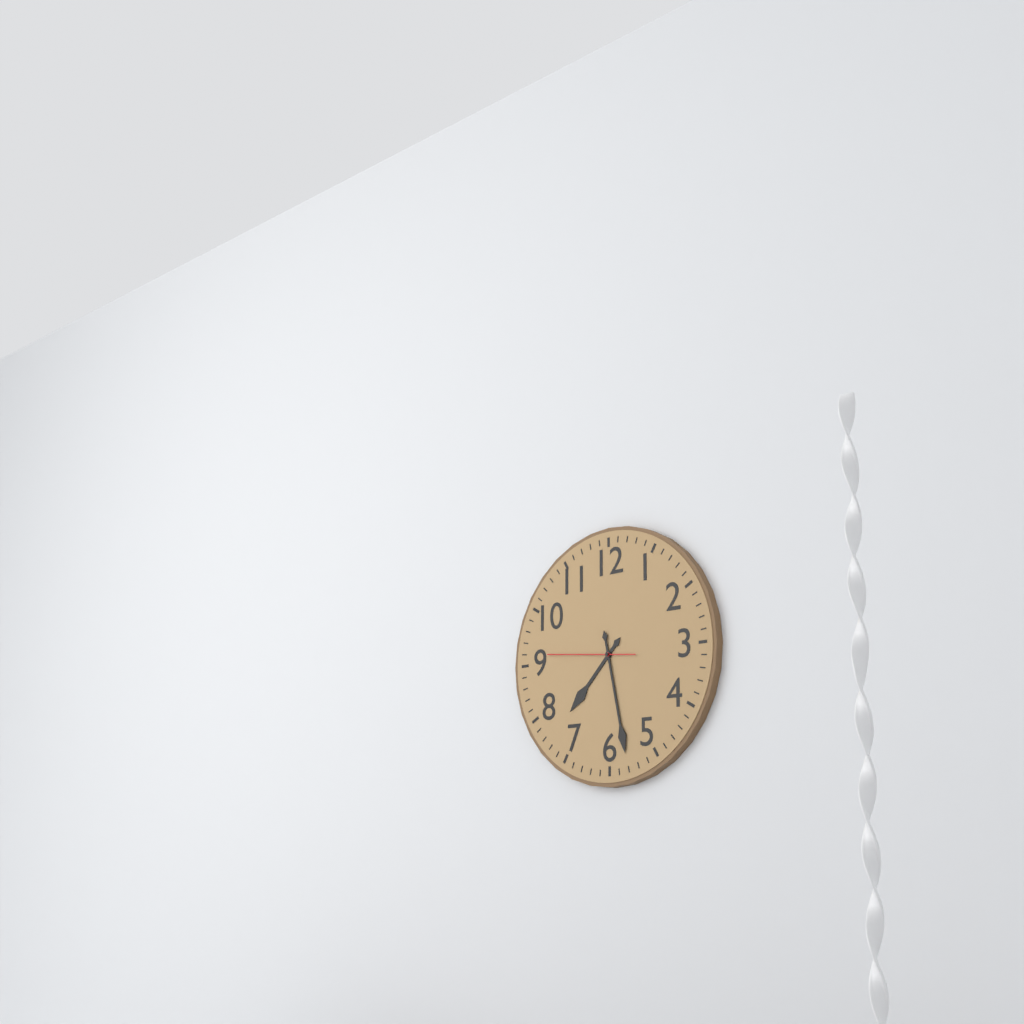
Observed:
7h28m46s
